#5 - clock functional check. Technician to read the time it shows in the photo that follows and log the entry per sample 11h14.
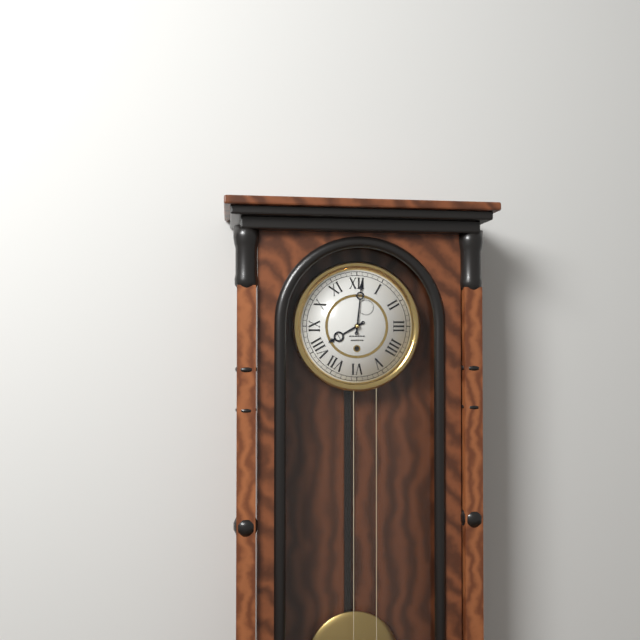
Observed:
8h01
